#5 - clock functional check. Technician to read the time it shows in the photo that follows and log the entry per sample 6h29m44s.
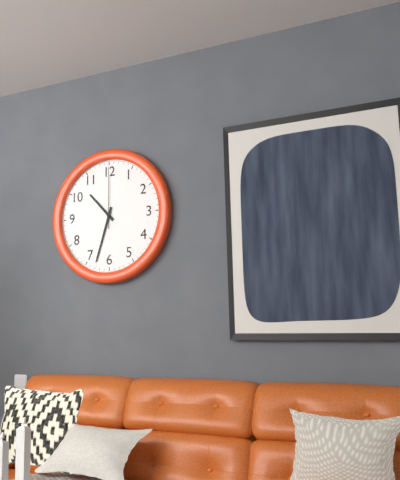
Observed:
10h33m00s
